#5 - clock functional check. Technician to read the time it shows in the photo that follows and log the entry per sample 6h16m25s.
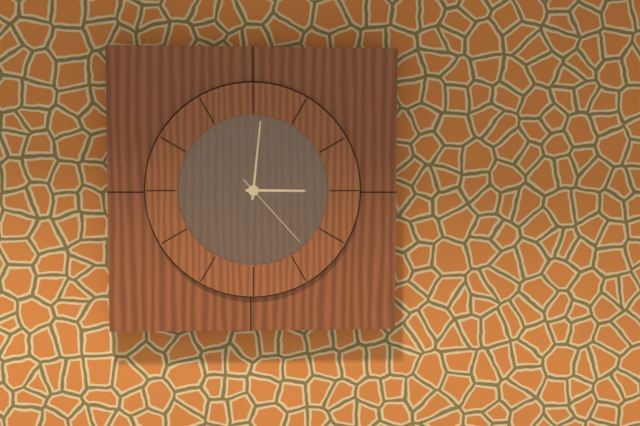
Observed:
3h01m23s
